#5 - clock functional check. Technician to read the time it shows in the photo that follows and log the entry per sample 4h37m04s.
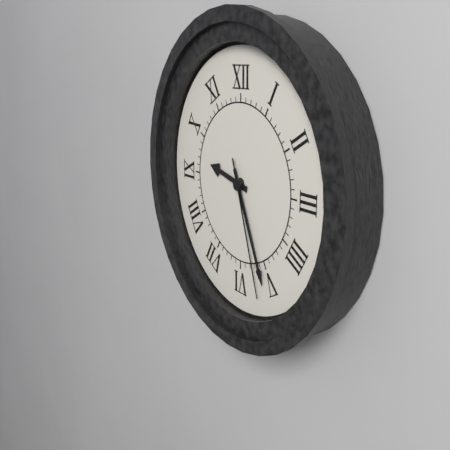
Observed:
9h26m27s
